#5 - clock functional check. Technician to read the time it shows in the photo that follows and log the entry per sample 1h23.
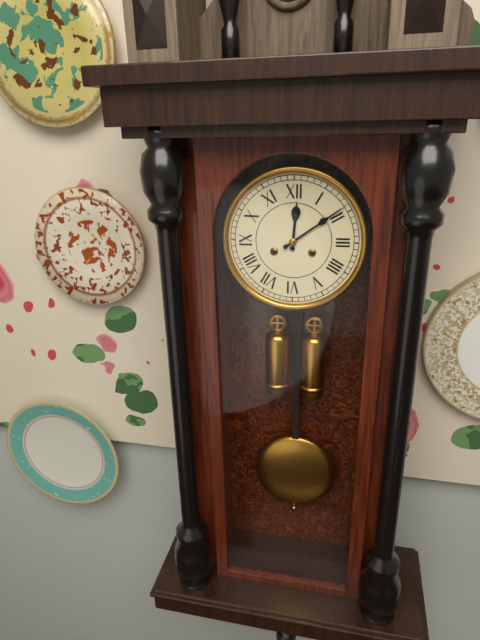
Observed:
12h09
